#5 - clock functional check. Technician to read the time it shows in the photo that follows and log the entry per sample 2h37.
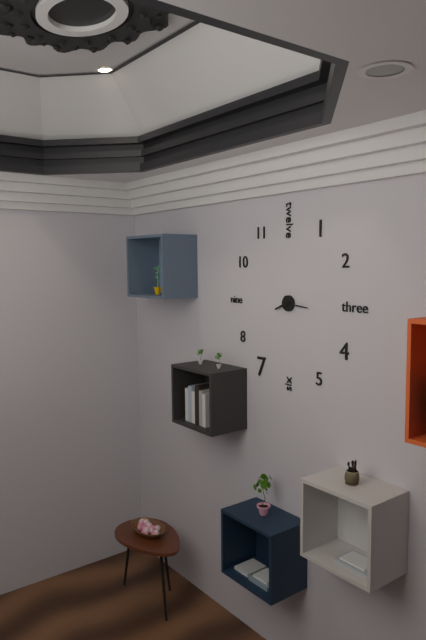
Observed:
8h16
